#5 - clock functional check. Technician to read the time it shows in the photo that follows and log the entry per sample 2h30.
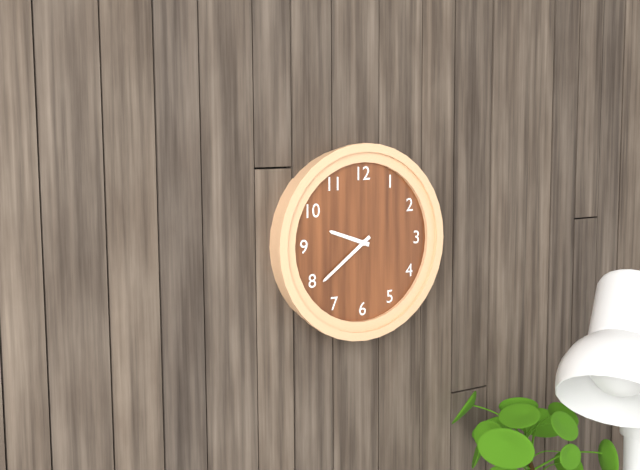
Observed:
9h39
